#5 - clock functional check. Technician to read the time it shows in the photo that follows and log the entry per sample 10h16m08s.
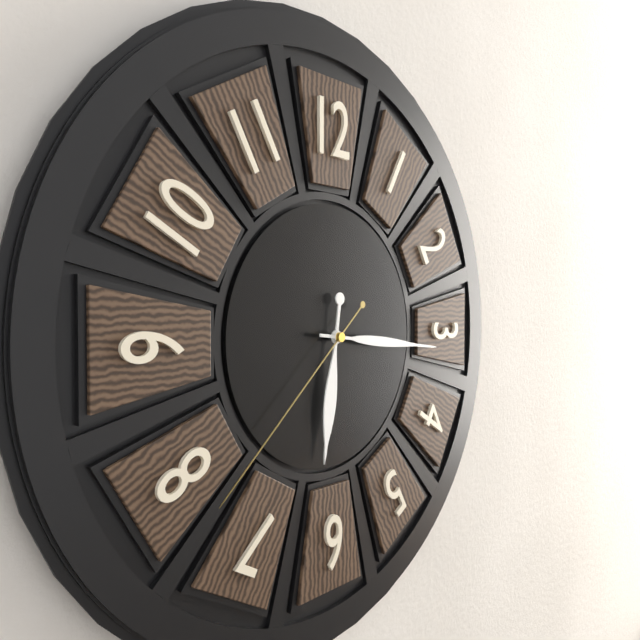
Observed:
6h16m38s
